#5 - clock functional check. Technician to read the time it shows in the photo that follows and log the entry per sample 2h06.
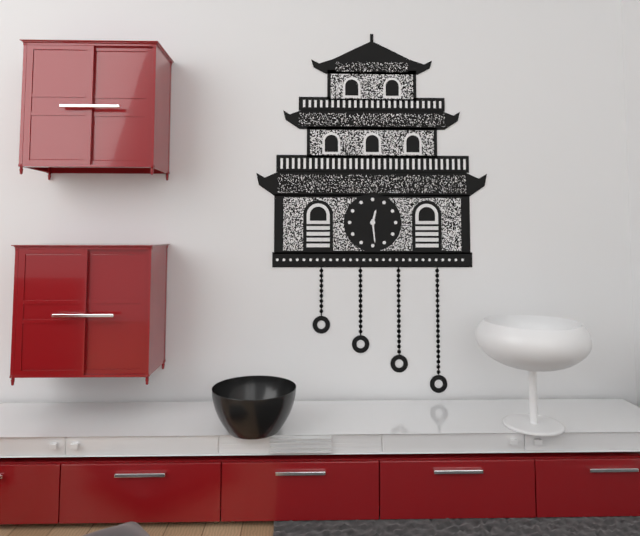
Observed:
12h29
